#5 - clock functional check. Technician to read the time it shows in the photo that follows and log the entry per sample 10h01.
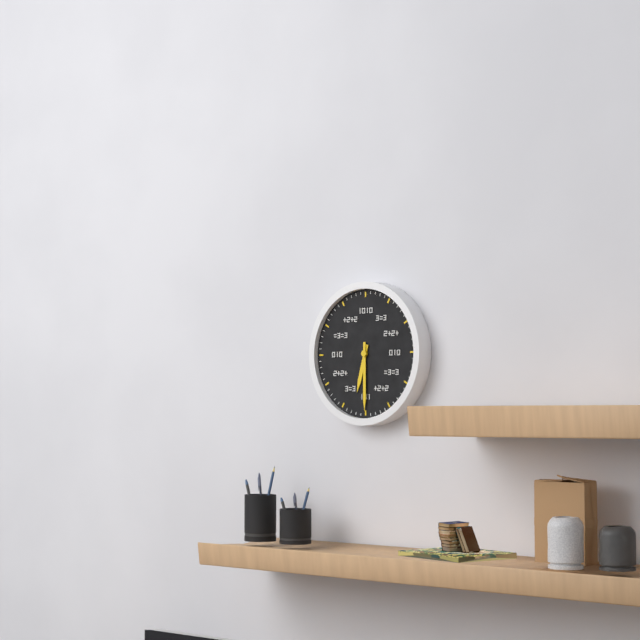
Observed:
6h30
